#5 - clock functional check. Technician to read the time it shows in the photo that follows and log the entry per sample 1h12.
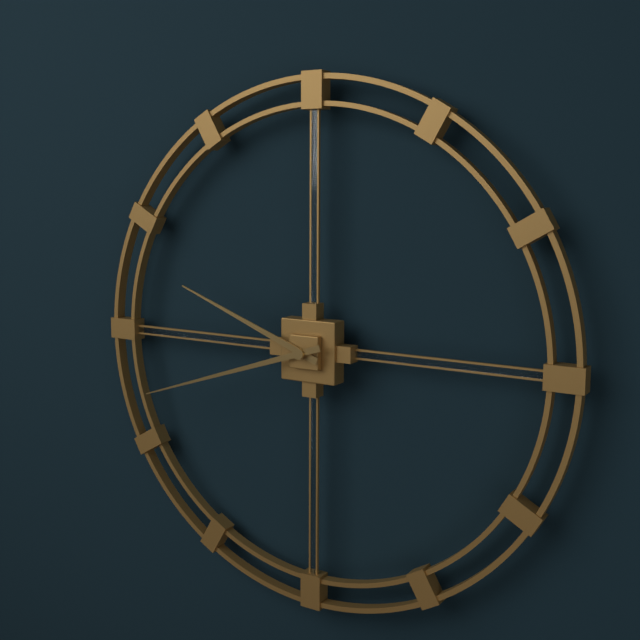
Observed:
9h42
